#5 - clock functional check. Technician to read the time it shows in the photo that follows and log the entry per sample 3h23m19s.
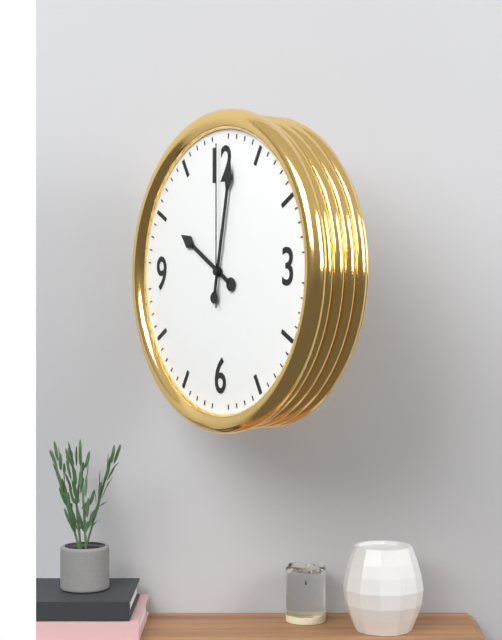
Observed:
10h02m00s
